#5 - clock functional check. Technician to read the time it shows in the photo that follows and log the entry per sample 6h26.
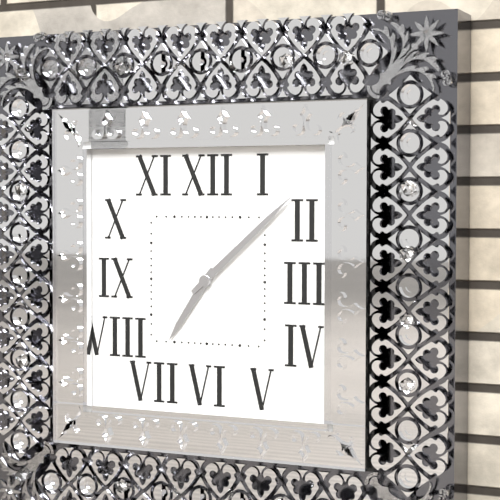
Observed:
7h08
